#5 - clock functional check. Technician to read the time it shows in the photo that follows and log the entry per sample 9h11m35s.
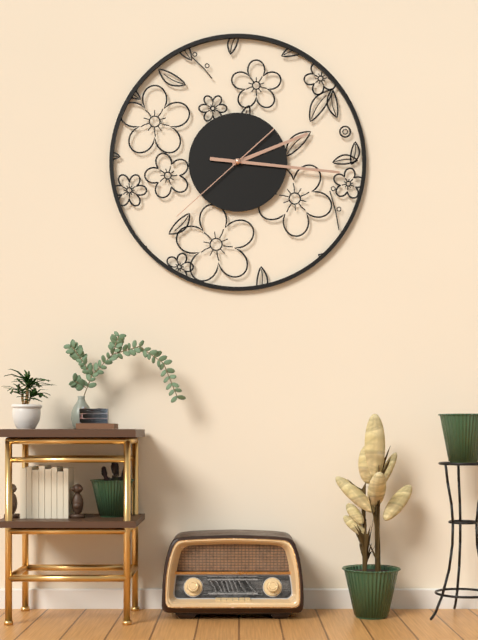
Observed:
2h16m38s
